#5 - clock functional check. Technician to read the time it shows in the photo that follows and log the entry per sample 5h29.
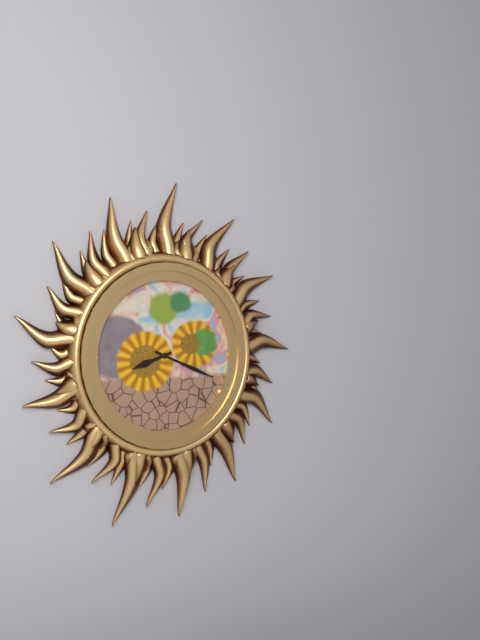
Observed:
8h19
